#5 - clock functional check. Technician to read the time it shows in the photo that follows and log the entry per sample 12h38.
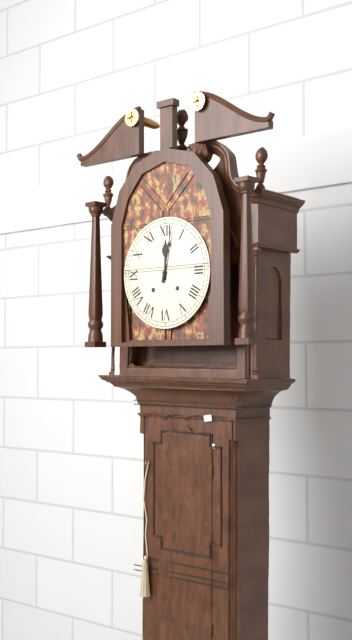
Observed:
12h02
